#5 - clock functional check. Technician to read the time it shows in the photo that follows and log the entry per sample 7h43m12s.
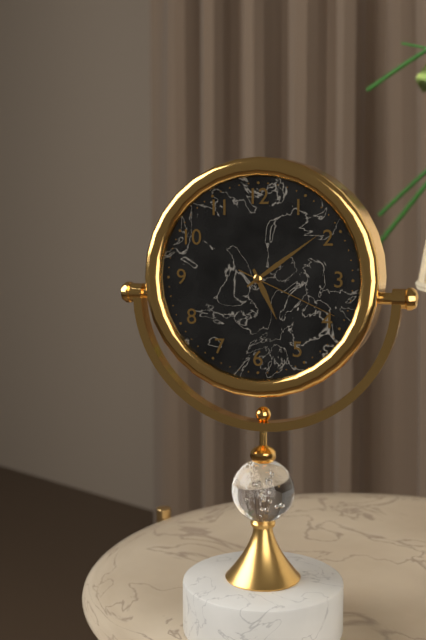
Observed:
5h09m19s
